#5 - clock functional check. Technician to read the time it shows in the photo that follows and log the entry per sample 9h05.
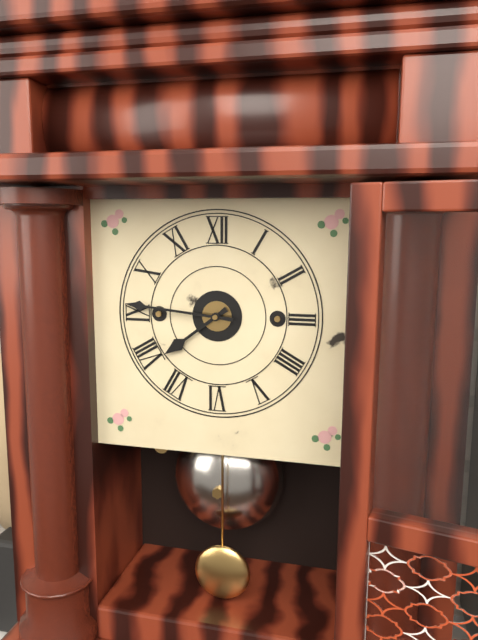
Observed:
7h46
